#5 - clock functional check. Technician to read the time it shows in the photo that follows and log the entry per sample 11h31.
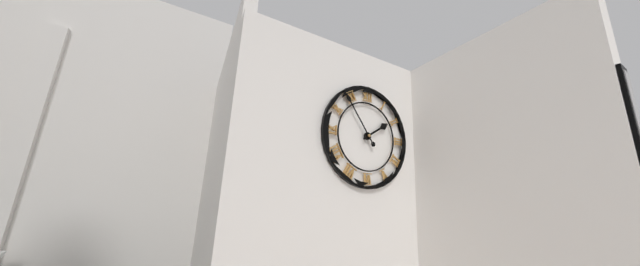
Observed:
1h54
